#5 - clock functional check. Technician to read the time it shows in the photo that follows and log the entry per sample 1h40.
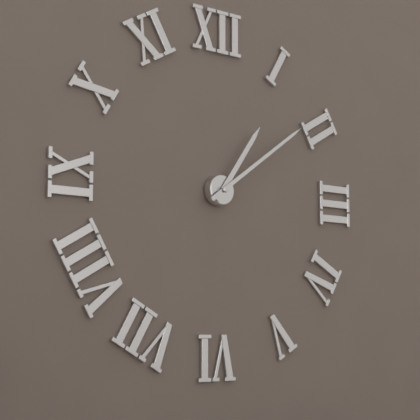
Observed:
1h09
